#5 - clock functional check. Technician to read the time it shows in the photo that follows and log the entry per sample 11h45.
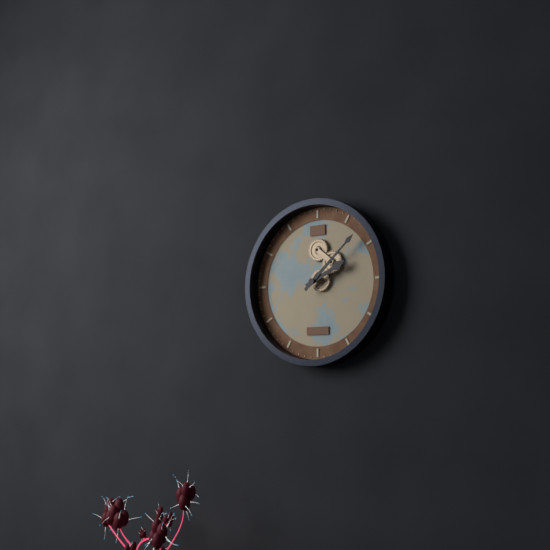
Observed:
2h08
